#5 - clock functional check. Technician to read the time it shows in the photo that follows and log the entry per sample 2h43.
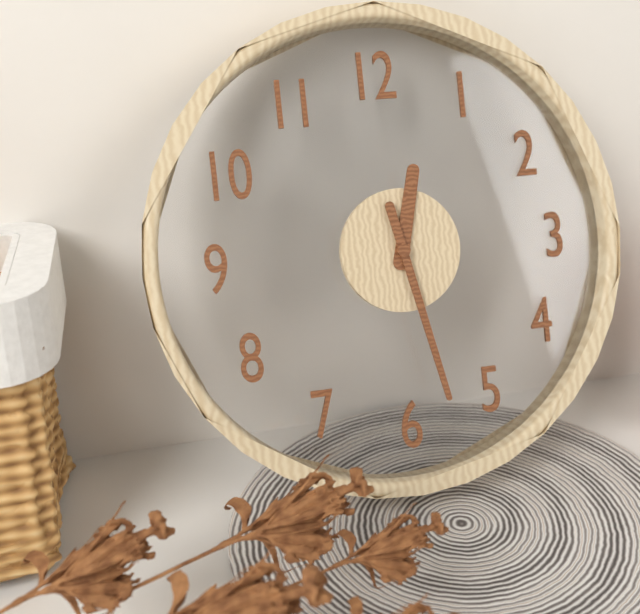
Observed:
12h28
